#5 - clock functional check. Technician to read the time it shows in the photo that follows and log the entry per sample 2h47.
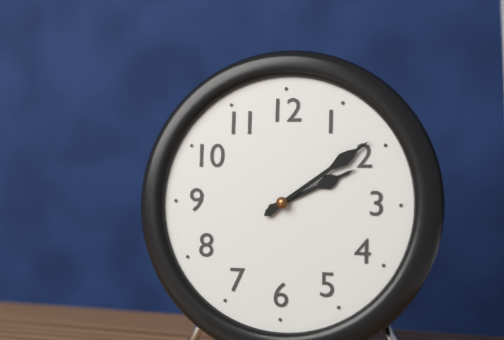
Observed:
2h09
